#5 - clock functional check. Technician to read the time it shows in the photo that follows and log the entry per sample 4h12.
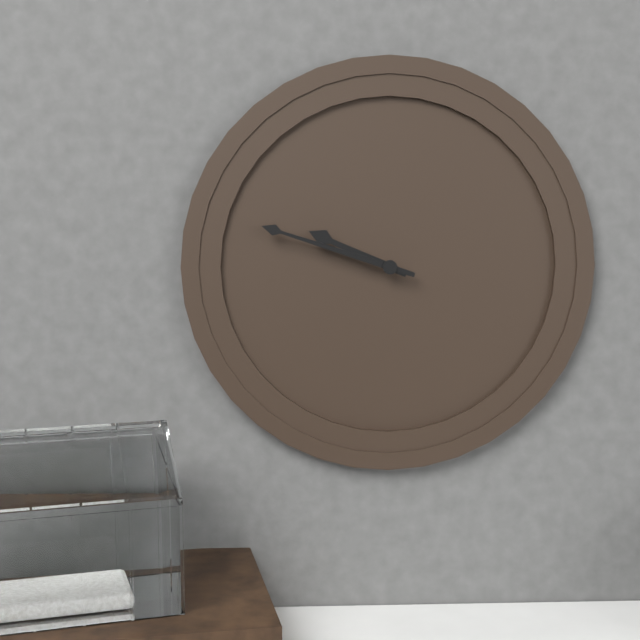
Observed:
9h48
